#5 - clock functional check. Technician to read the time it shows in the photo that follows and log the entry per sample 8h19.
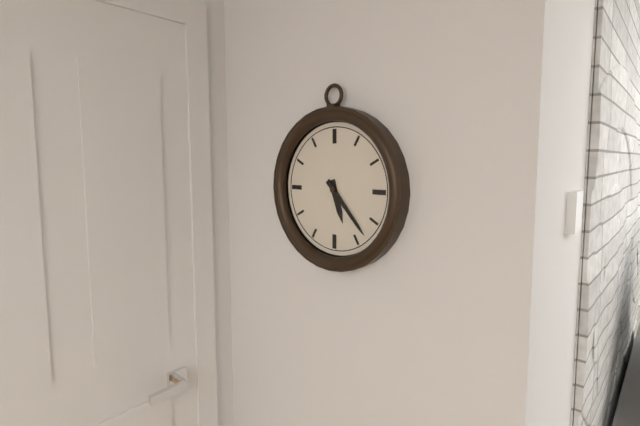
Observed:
5h23
